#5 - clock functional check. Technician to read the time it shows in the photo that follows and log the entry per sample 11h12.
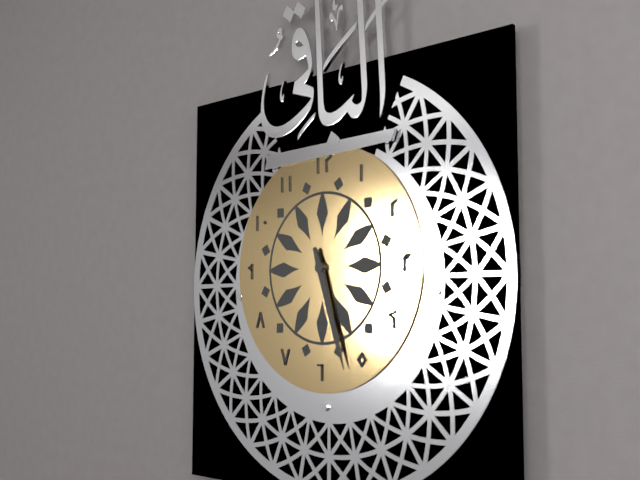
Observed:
5h27
